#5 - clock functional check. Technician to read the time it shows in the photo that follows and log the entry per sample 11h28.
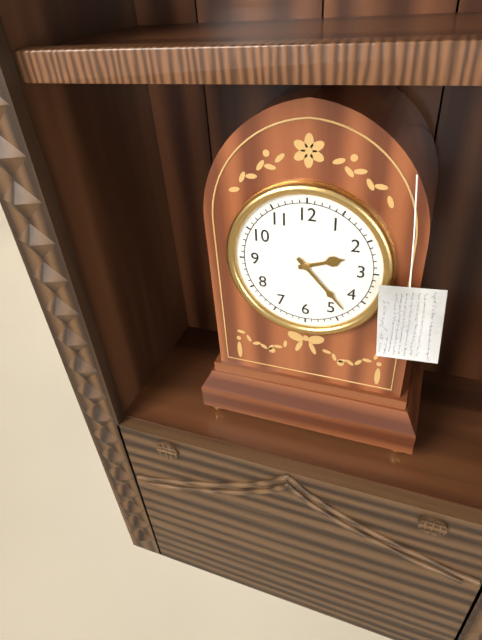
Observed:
2h23
